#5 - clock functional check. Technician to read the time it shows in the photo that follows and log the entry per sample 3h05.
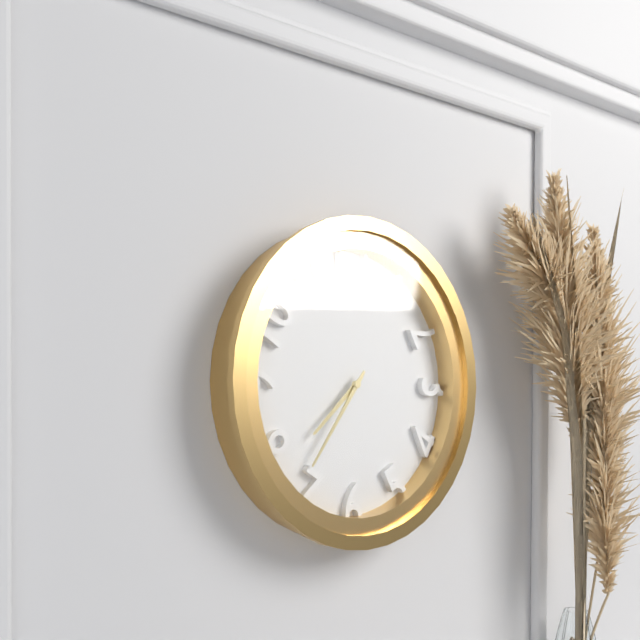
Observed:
7h36
